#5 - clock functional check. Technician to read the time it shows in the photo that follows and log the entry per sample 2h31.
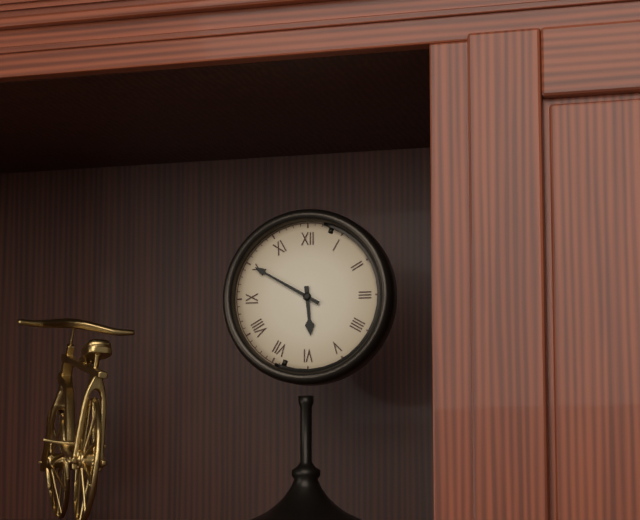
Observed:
5h50
